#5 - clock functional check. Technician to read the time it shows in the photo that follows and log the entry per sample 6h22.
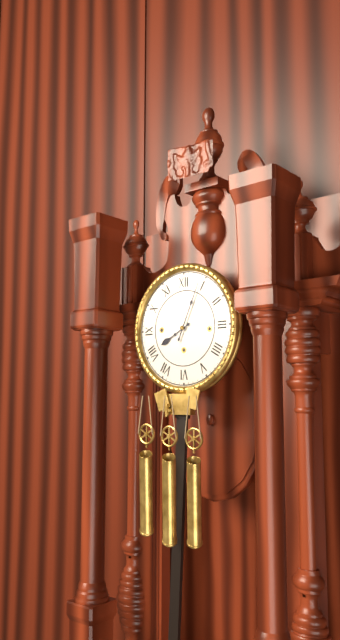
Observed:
8h04
